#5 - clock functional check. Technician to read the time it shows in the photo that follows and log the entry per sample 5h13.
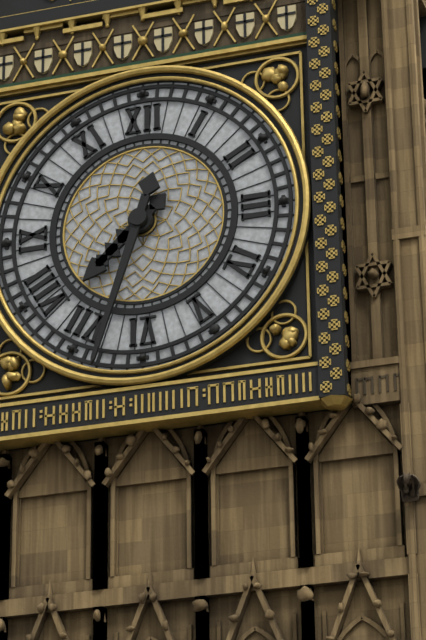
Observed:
7h33
